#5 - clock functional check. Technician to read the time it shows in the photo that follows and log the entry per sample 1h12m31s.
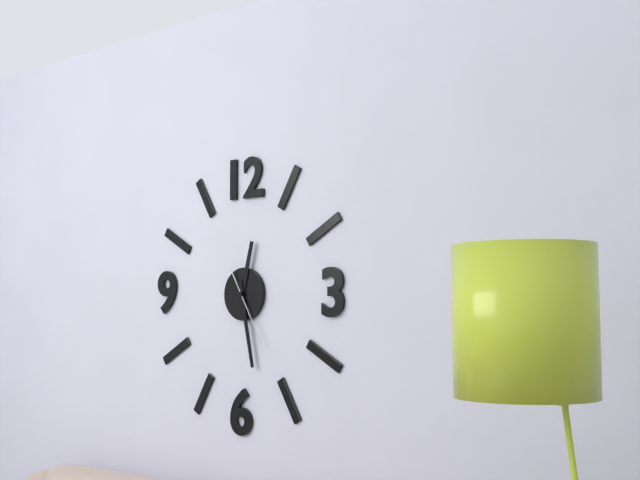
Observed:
12h28m25s
